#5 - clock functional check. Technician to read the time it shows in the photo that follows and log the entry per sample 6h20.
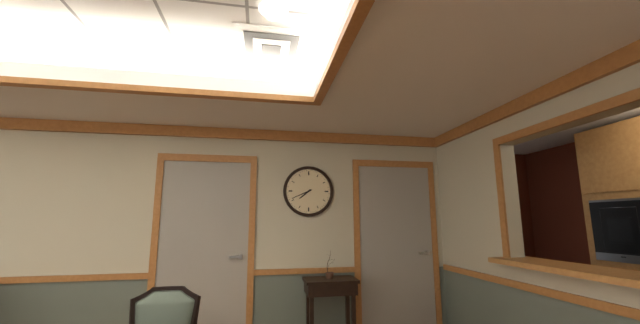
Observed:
7h41
